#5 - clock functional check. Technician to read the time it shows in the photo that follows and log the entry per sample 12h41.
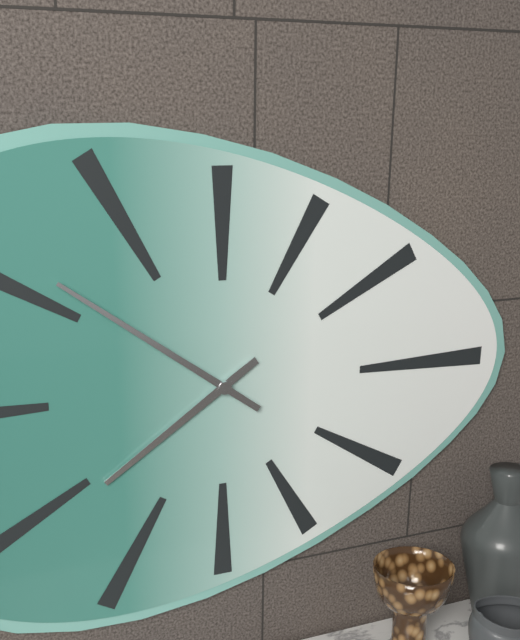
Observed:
7h51
